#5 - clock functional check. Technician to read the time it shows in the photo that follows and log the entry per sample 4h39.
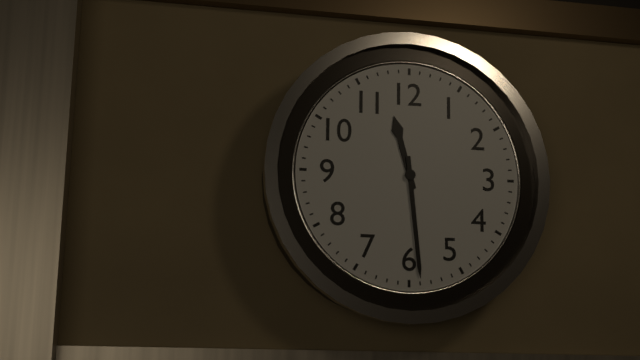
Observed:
11h29
